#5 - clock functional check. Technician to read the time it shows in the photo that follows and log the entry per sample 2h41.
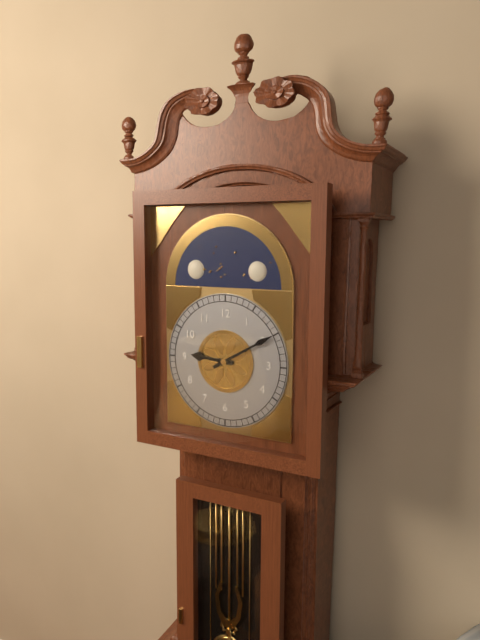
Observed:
9h10
